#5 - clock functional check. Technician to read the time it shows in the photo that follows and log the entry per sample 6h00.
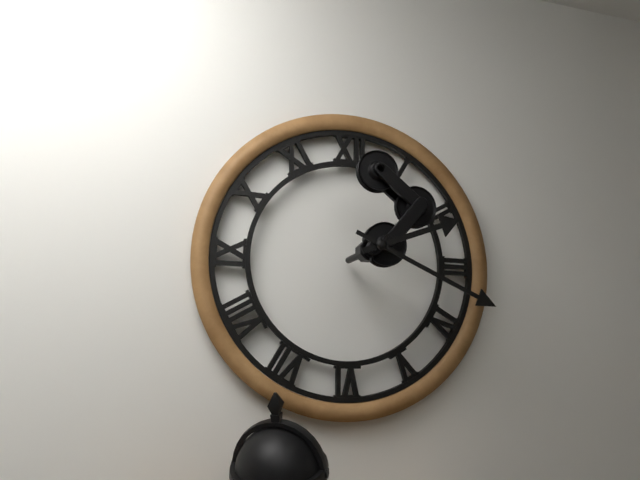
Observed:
2h19
